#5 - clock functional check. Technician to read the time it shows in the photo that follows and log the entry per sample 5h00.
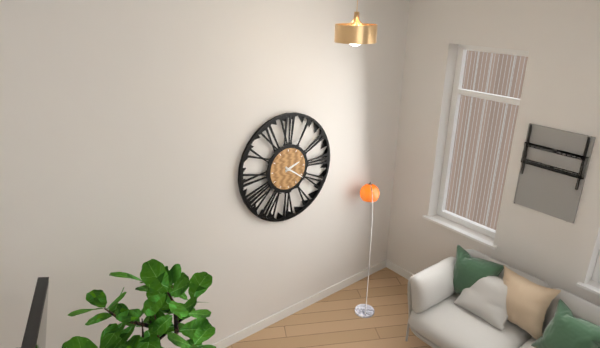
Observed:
2h21
